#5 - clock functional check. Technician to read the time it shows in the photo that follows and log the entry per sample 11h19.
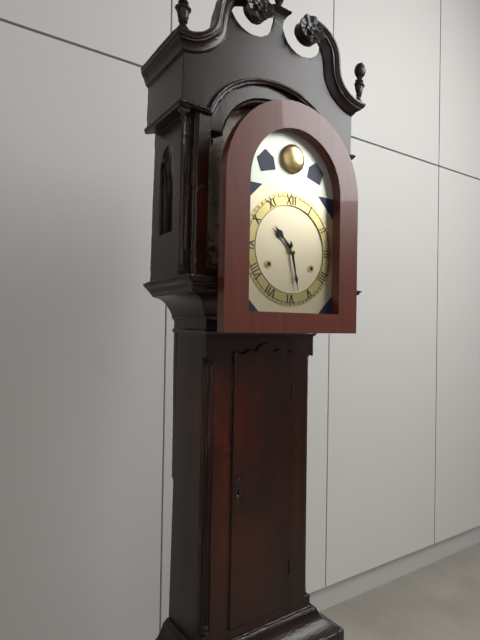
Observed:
10h28
